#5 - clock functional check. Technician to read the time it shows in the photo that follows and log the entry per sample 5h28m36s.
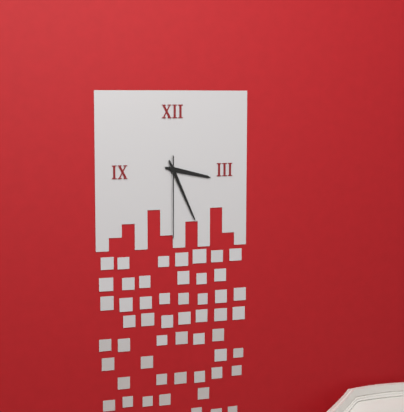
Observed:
3h26m30s
